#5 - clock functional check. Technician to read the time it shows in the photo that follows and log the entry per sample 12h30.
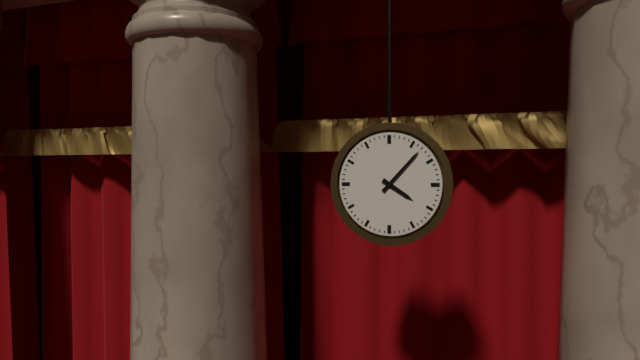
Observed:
4h07
